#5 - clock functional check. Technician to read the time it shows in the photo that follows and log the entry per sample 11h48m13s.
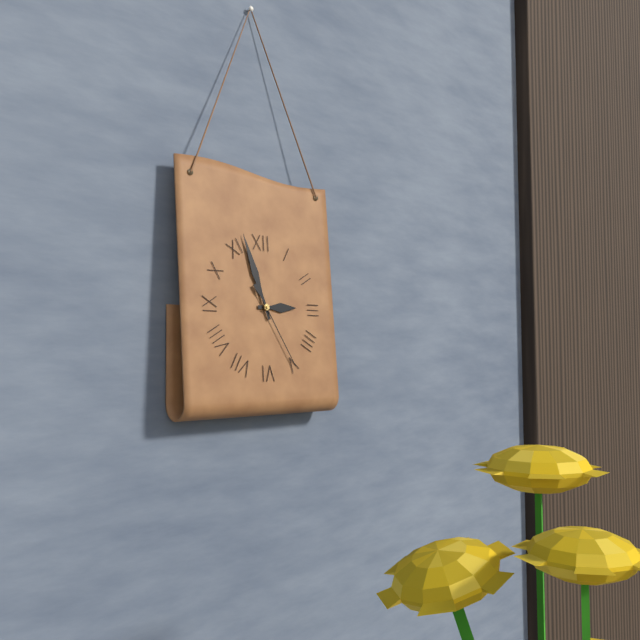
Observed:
2h57m25s
